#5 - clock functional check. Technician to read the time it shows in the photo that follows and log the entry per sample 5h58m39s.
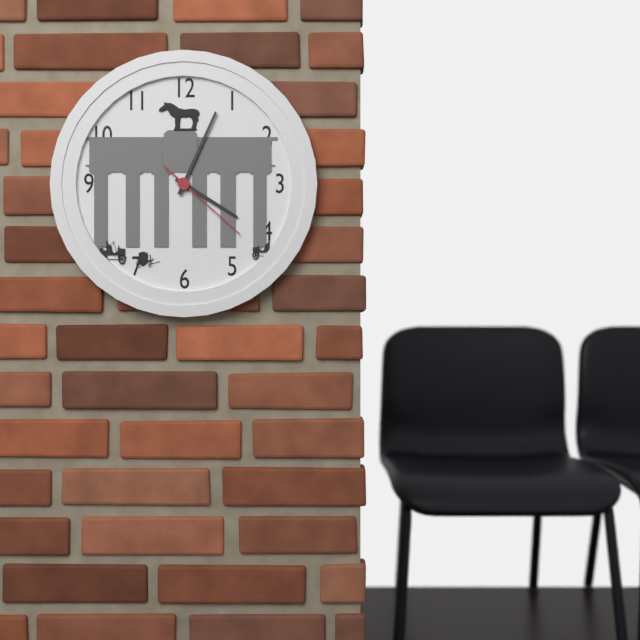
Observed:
4h04m22s
